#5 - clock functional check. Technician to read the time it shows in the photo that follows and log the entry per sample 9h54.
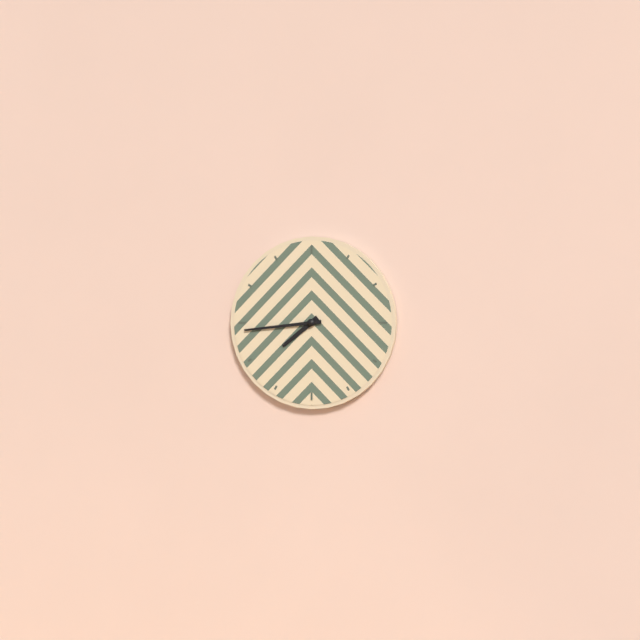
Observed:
7h44
